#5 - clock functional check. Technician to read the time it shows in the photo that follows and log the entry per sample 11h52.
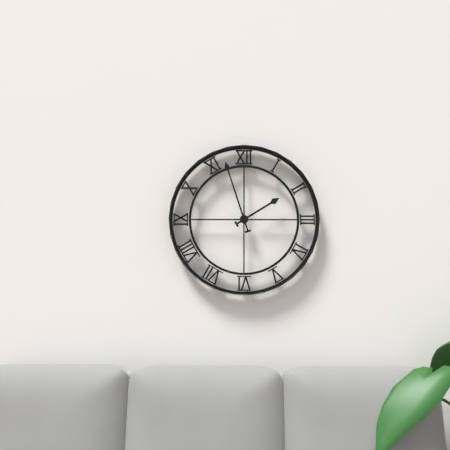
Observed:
1h57
